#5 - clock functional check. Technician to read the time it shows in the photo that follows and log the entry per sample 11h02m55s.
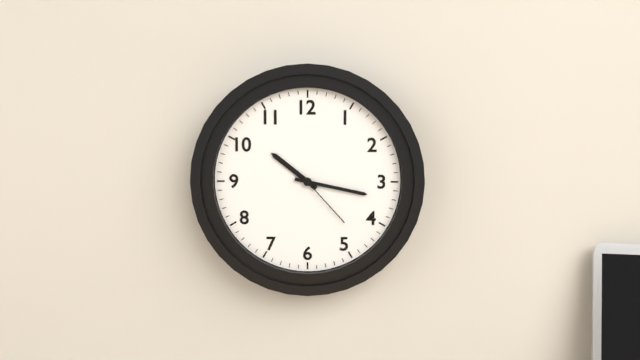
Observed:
10h17m23s
